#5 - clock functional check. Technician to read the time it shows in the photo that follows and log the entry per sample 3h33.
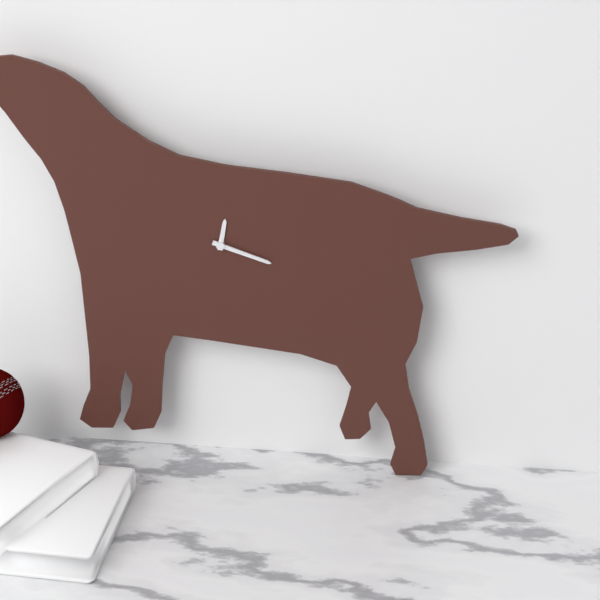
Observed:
12h18
